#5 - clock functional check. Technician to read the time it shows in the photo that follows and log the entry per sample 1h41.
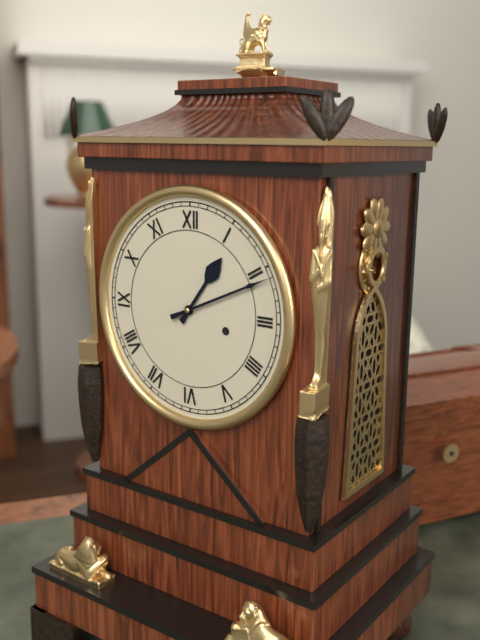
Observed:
1h11
